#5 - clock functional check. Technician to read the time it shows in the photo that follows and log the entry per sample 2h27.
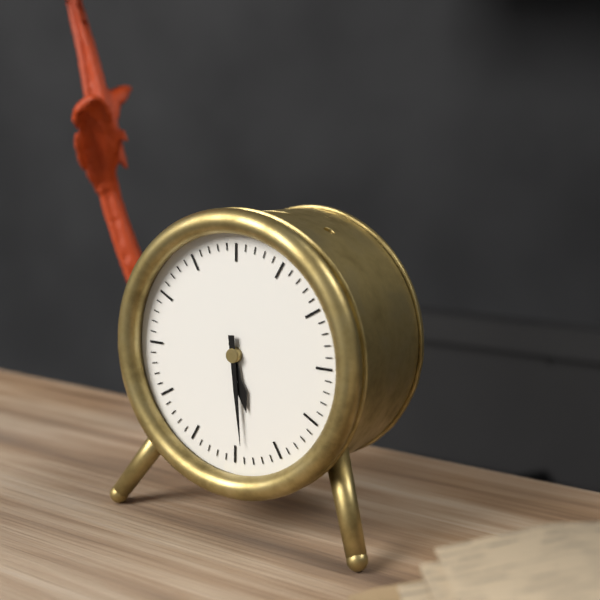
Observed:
5h29
